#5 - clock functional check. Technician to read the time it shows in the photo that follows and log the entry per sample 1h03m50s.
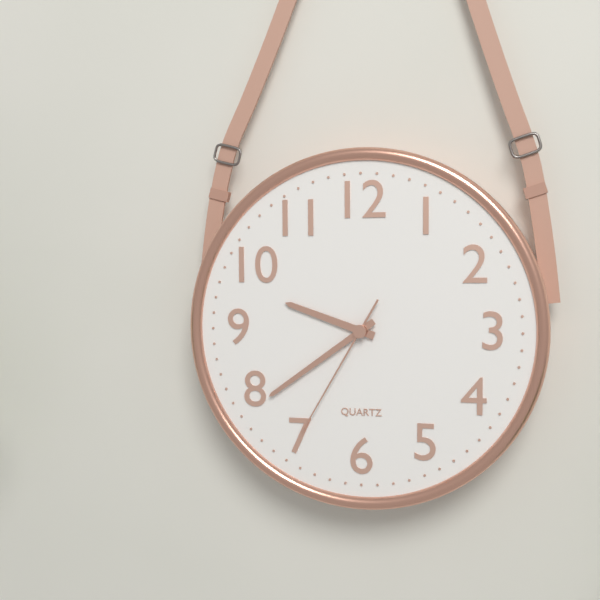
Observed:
9h39m35s
